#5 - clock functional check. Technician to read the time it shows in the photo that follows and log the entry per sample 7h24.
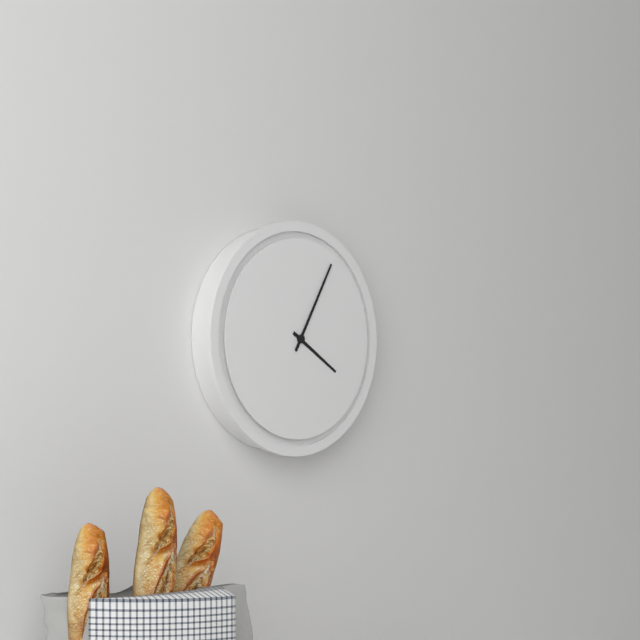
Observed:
4h05
